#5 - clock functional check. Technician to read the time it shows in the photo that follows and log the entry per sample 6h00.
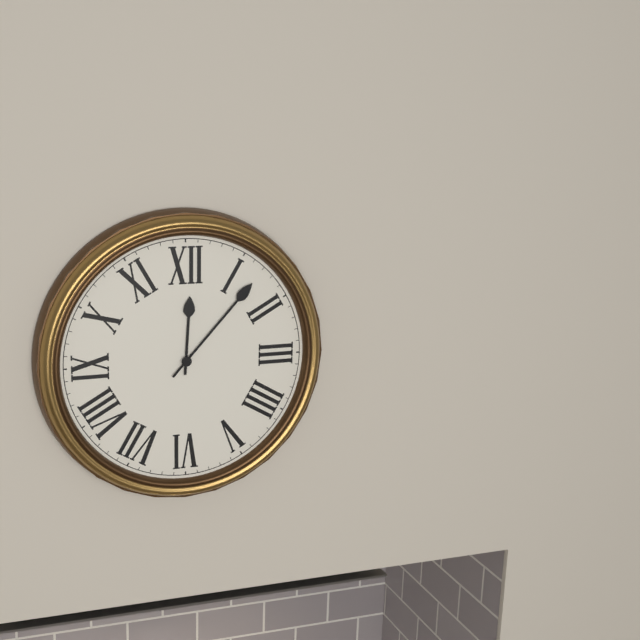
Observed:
12h07
